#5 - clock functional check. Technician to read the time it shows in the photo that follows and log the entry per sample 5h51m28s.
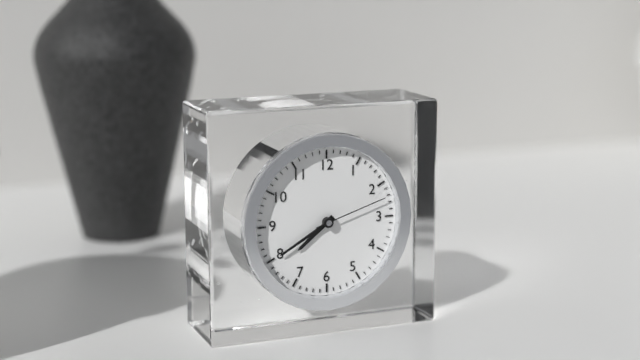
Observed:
7h40m12s
